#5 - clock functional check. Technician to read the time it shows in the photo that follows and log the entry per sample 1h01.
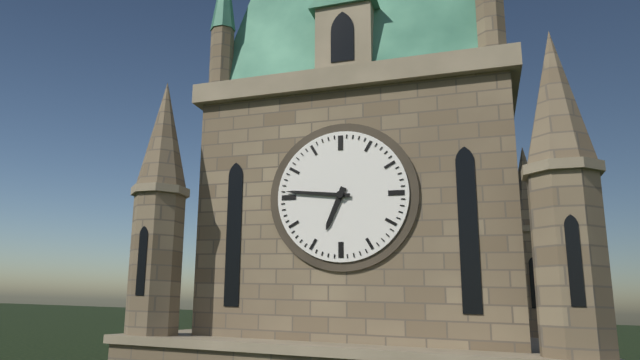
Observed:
6h46
